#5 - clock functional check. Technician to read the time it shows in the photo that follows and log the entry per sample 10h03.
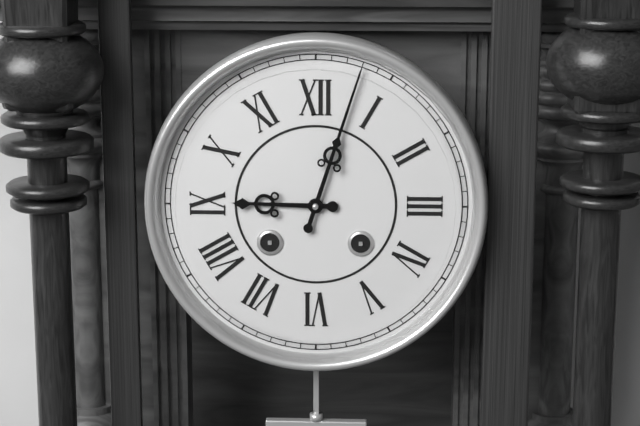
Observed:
9h03
